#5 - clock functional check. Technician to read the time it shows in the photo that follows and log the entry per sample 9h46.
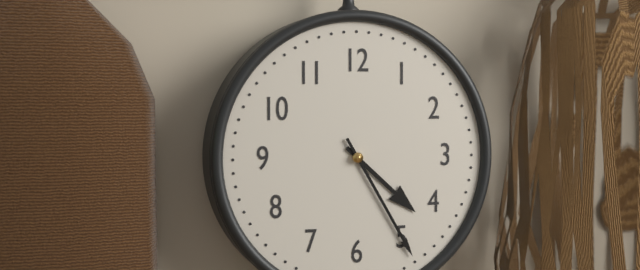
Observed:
4h25
